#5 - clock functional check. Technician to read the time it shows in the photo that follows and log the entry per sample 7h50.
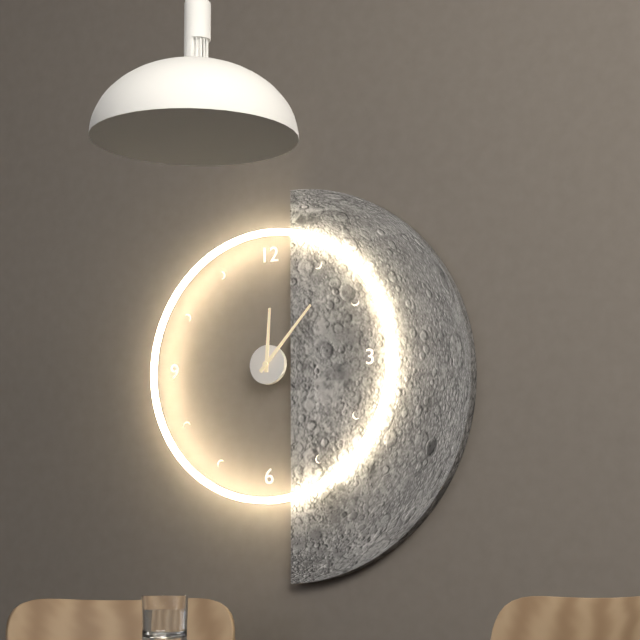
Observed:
12h07
